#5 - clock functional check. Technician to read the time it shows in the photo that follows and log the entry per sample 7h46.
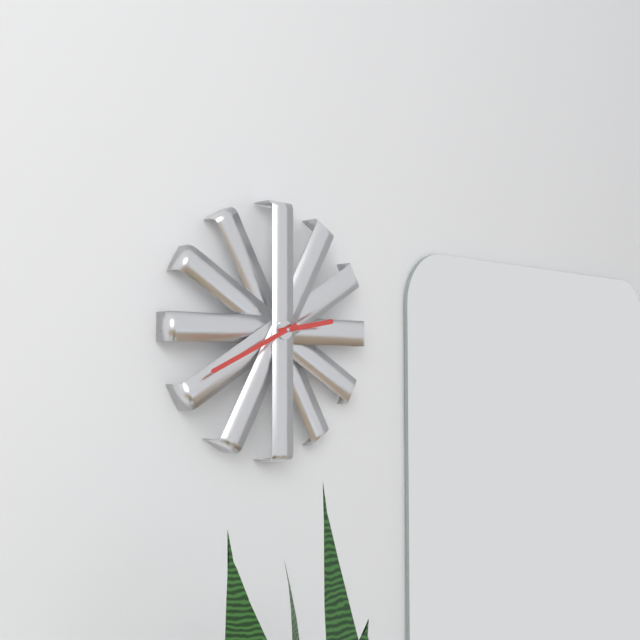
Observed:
2h41
